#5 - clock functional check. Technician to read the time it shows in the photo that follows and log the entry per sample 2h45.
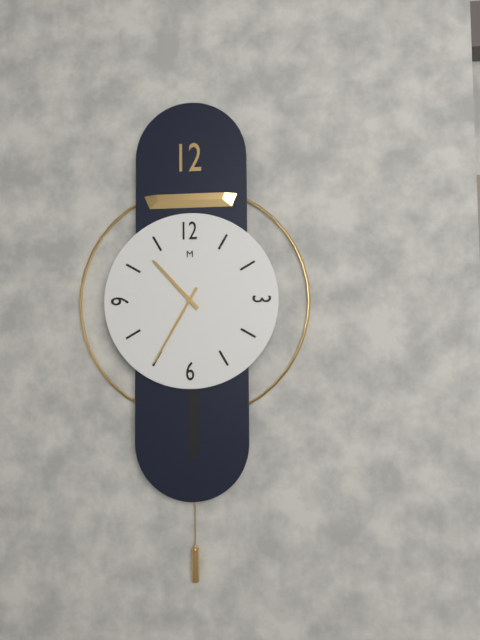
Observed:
10h35
